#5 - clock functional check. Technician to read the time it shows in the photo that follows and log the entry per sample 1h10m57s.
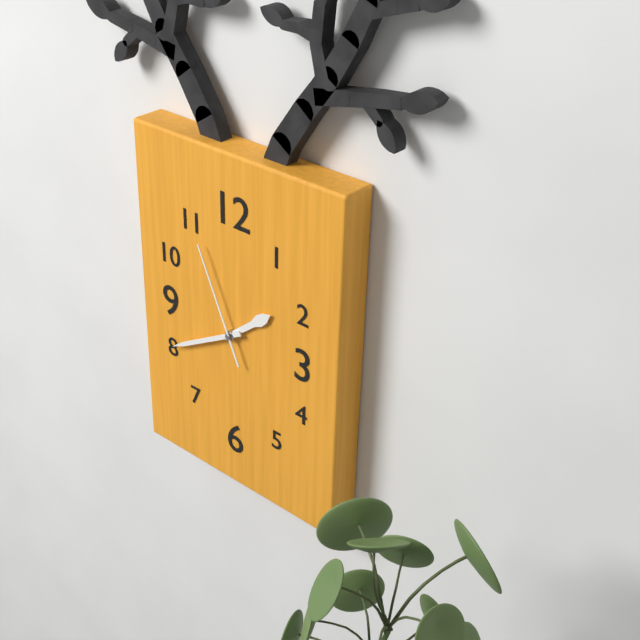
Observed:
1h40m56s
